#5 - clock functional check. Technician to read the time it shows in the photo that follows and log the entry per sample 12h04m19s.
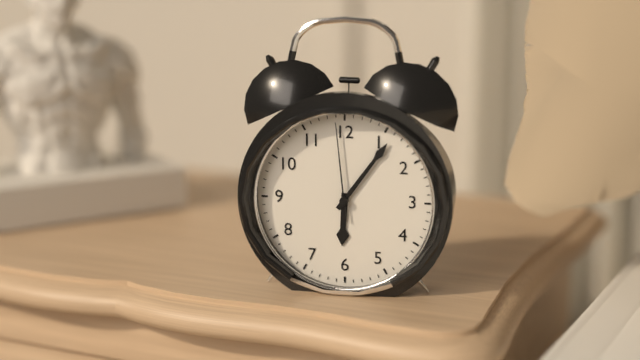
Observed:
6h06m59s
